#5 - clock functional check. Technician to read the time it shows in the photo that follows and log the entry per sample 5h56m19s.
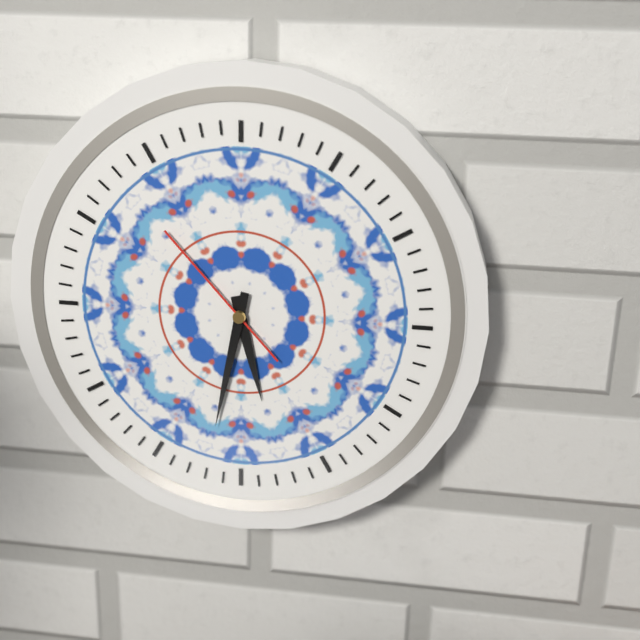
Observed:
5h32m53s
